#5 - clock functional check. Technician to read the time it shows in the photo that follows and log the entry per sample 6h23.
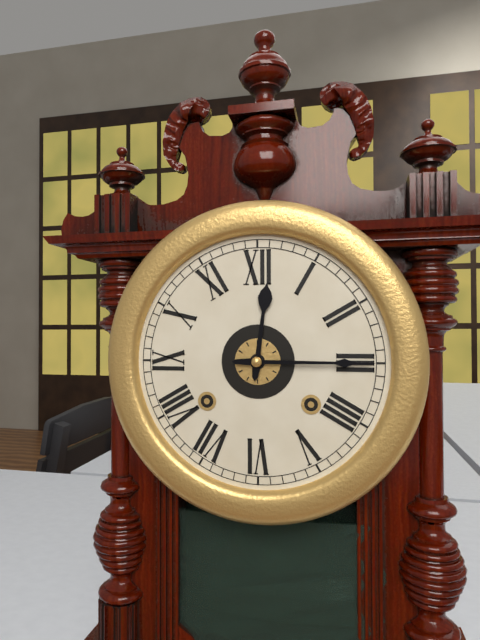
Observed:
12h15
